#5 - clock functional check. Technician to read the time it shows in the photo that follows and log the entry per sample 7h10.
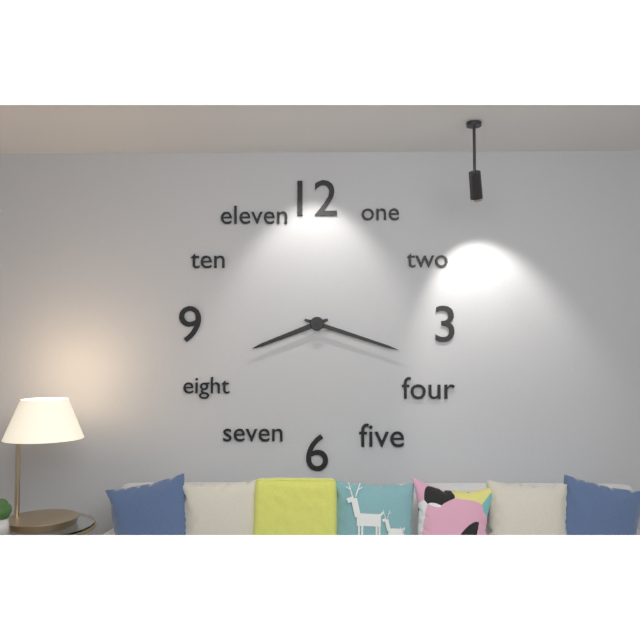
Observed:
8h18
